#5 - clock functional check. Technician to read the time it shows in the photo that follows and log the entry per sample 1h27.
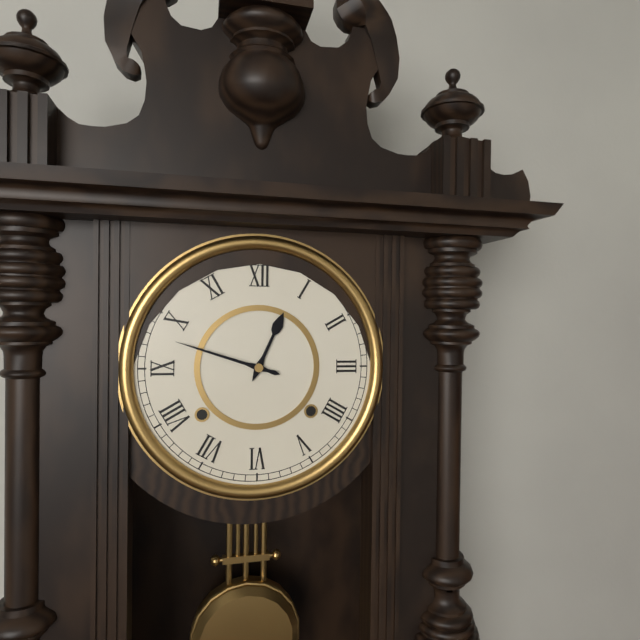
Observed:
12h48
